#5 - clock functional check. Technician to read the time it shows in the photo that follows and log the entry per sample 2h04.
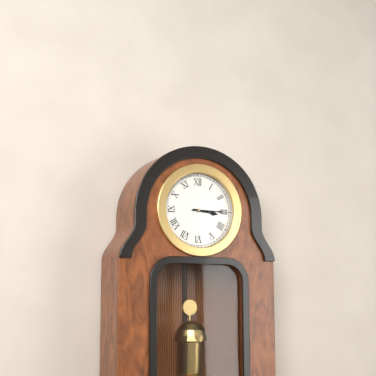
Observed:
3h15
